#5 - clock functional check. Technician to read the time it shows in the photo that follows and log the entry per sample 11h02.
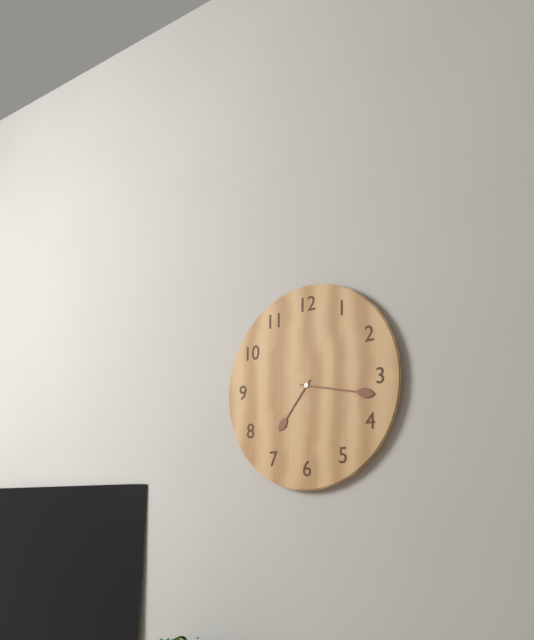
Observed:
7h17
